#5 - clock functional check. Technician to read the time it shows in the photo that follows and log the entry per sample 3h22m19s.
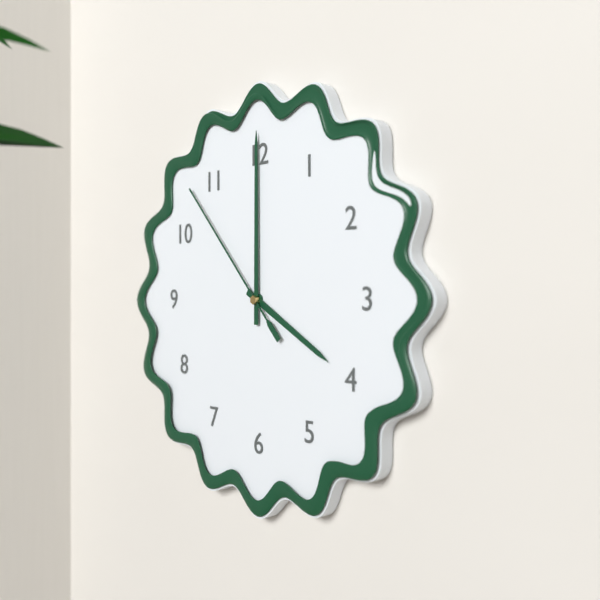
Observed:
4h00m53s
